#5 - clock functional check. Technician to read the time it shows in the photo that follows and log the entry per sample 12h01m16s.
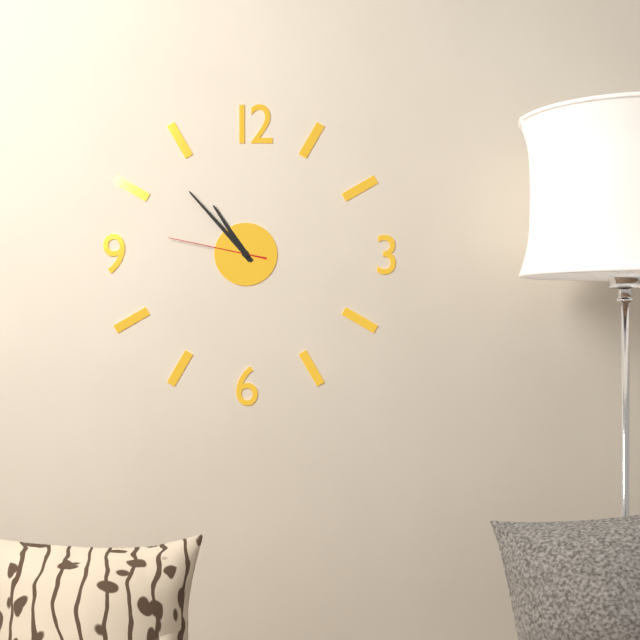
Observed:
10h53m47s
